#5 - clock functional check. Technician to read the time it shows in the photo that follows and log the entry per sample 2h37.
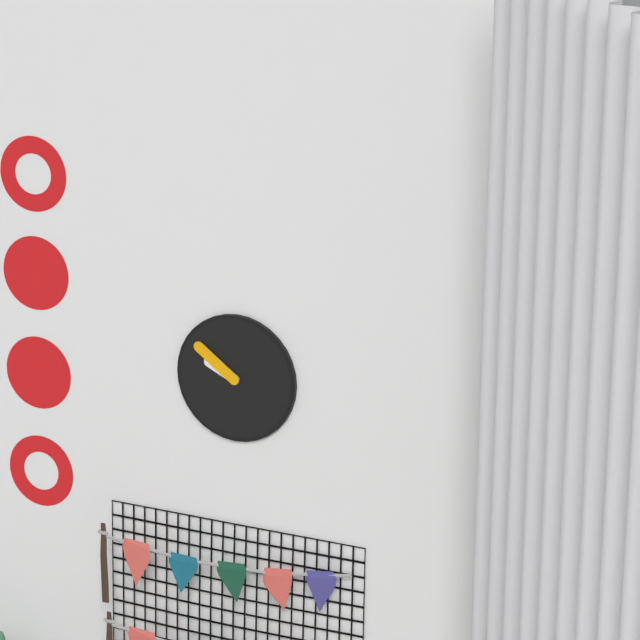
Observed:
9h51
